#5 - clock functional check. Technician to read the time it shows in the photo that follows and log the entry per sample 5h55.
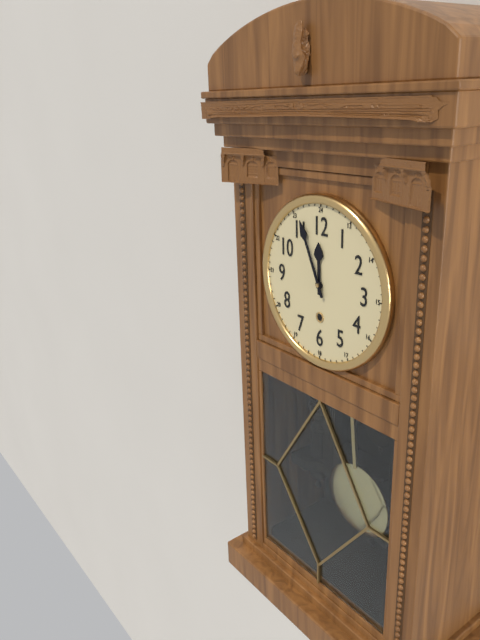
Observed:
11h56
